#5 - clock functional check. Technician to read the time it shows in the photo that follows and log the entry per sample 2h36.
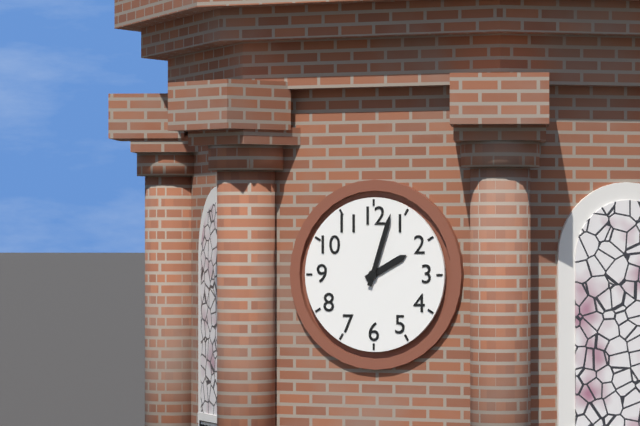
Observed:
2h03
